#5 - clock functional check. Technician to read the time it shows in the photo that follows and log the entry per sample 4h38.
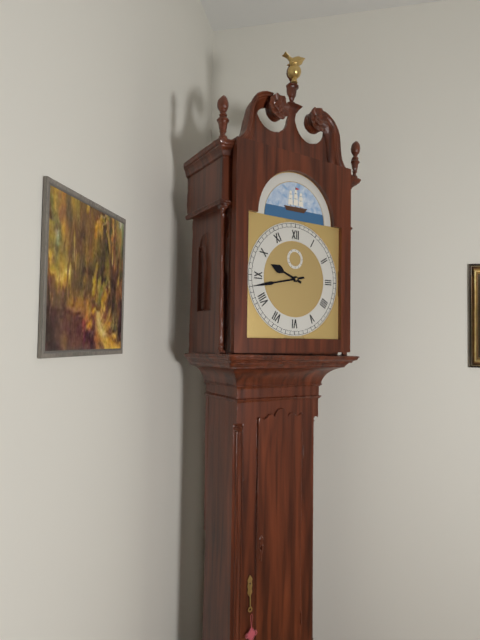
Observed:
9h43
